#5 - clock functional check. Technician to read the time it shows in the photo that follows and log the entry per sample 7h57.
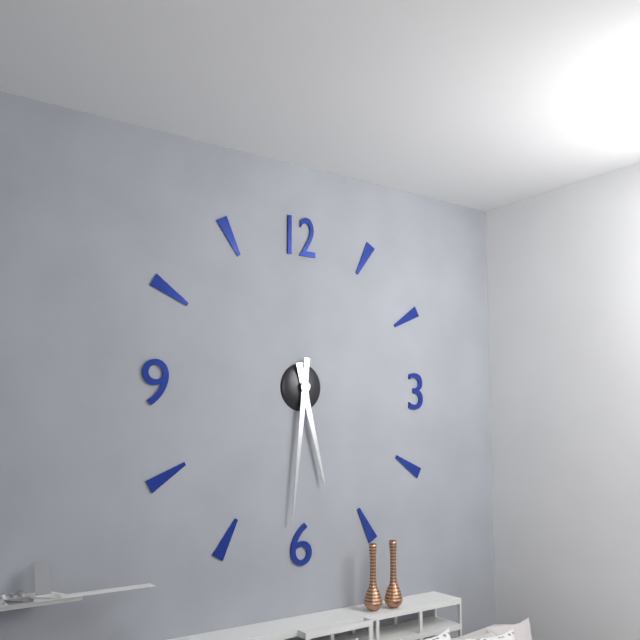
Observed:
5h31
